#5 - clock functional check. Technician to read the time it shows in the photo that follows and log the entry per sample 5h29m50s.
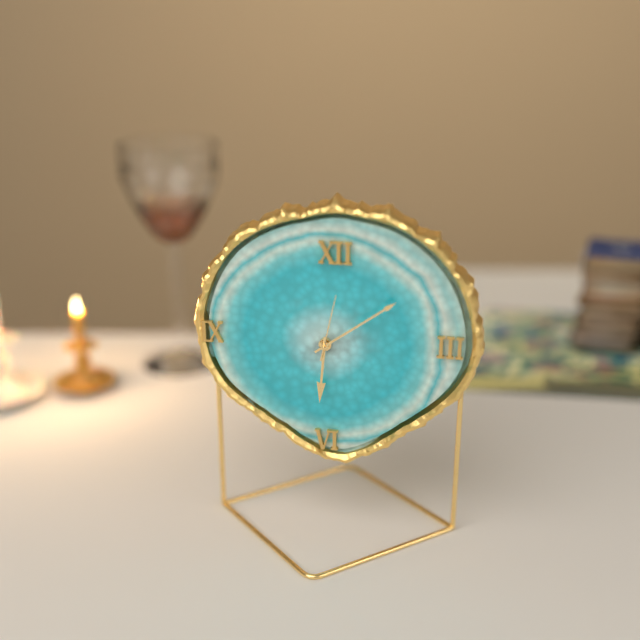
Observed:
6h09m02s
